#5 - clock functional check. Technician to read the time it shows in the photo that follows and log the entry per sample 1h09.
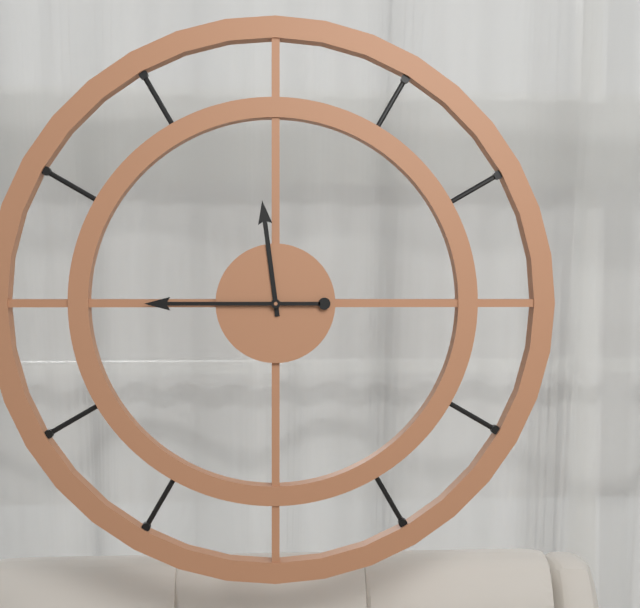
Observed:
11h45
